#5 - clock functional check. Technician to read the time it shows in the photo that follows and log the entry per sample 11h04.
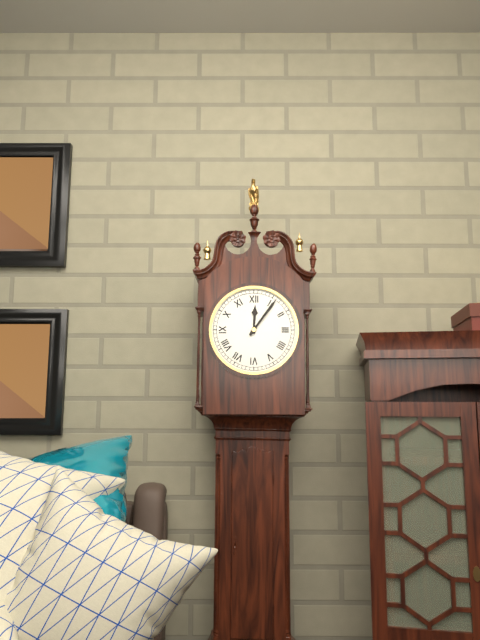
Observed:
12h06
